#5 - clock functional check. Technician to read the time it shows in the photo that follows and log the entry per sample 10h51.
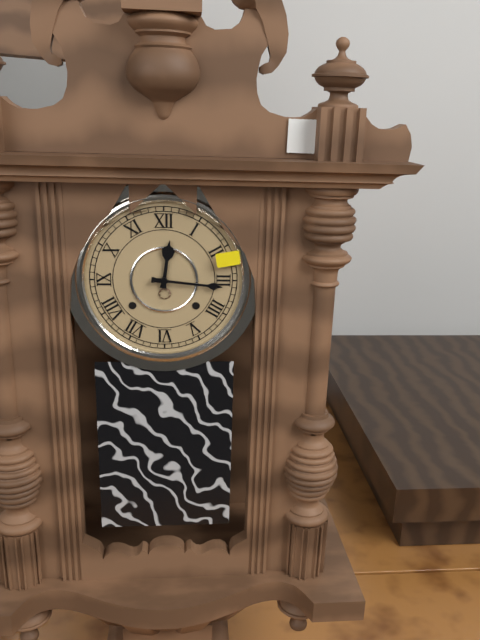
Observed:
12h16
